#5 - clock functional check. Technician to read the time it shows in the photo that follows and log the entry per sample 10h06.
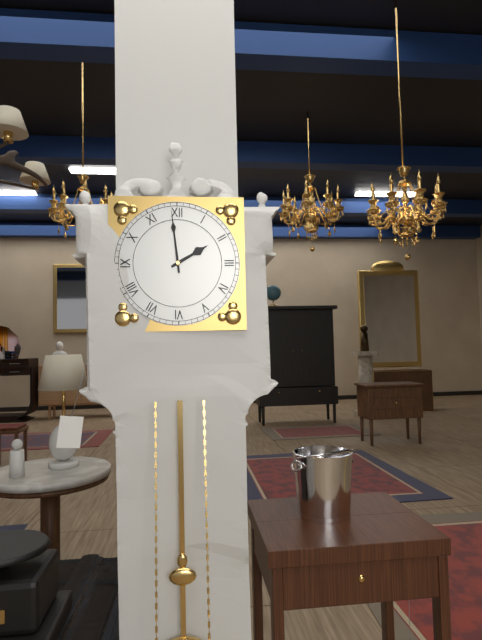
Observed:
1h59
